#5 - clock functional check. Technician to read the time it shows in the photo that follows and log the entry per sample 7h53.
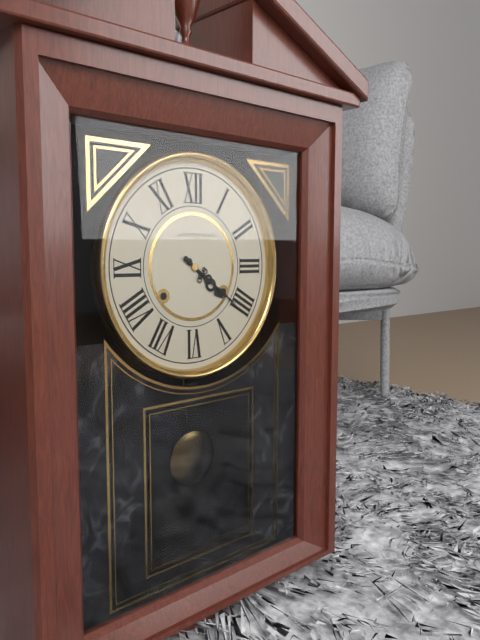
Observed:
4h21
